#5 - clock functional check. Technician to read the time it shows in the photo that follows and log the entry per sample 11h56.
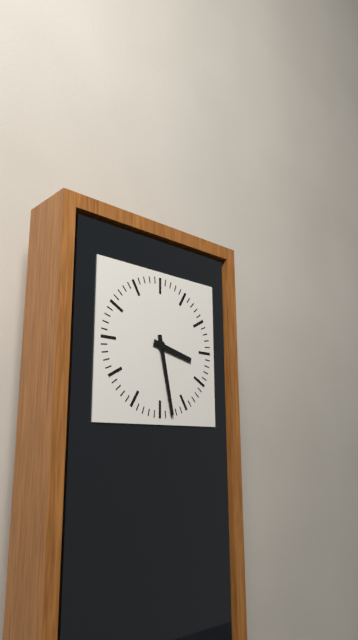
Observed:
3h28
